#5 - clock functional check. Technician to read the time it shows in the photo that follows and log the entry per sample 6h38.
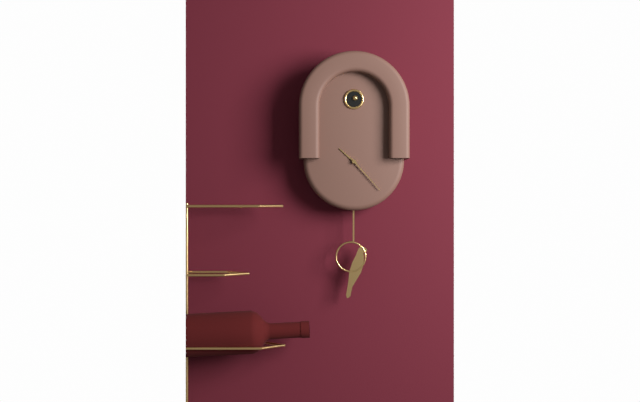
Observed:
10h23
